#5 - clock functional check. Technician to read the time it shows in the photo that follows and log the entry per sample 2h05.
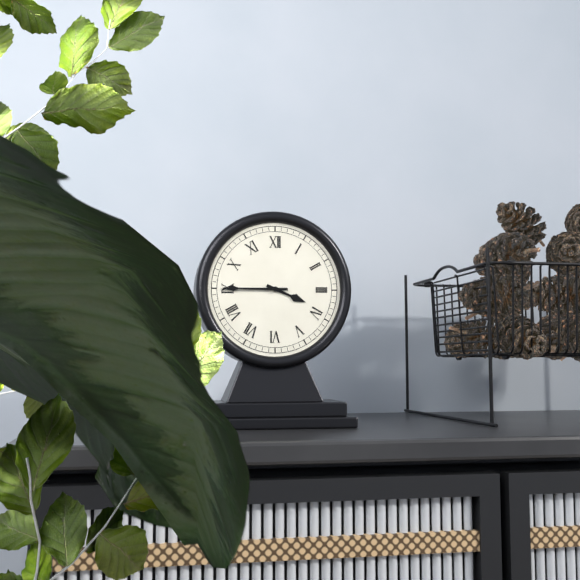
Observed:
3h45
